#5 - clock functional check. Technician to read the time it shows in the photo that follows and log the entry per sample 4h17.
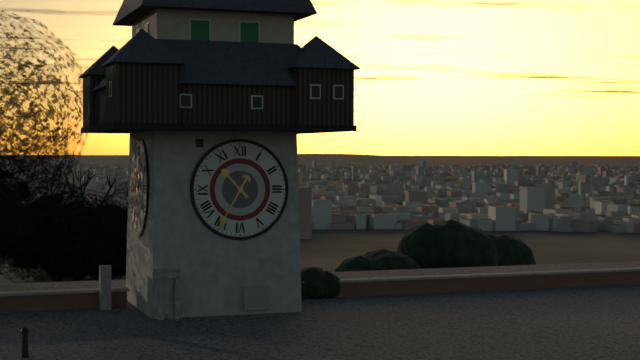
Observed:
10h35
